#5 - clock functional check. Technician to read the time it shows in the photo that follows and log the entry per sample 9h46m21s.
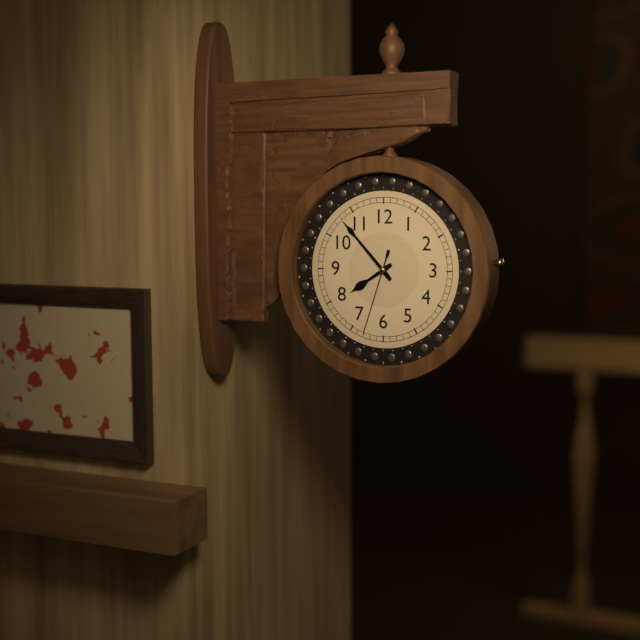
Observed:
7h53m33s
